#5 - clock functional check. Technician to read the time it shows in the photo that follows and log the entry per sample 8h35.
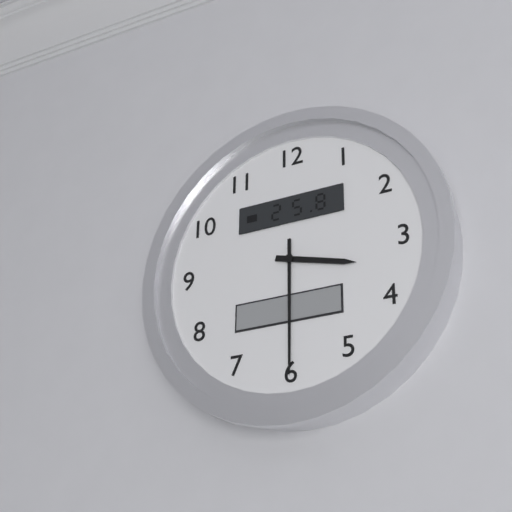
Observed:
3h30
